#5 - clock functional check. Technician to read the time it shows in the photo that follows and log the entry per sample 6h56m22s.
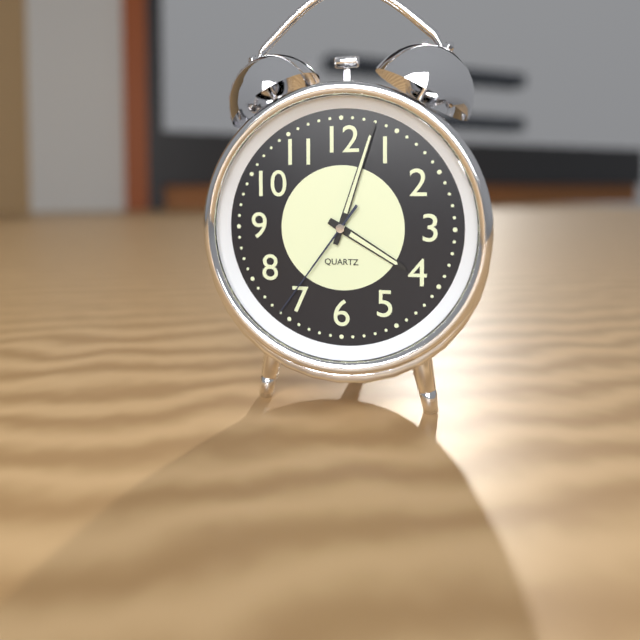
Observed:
4h03m36s
